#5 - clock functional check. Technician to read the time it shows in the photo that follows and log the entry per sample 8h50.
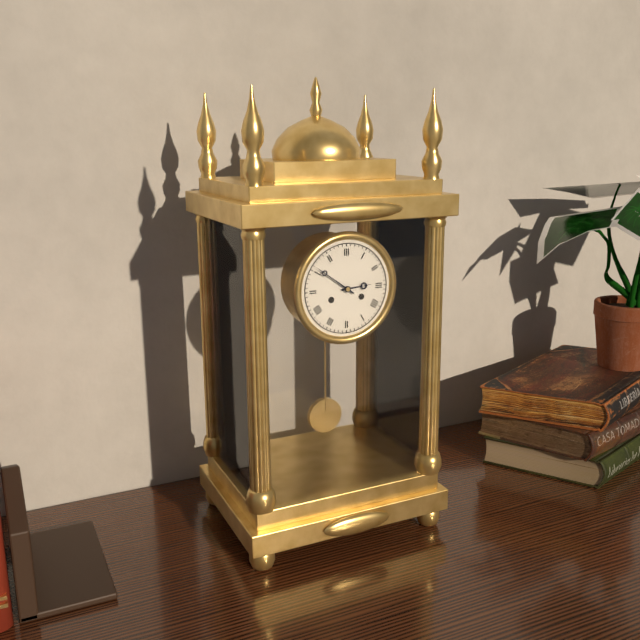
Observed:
2h51
